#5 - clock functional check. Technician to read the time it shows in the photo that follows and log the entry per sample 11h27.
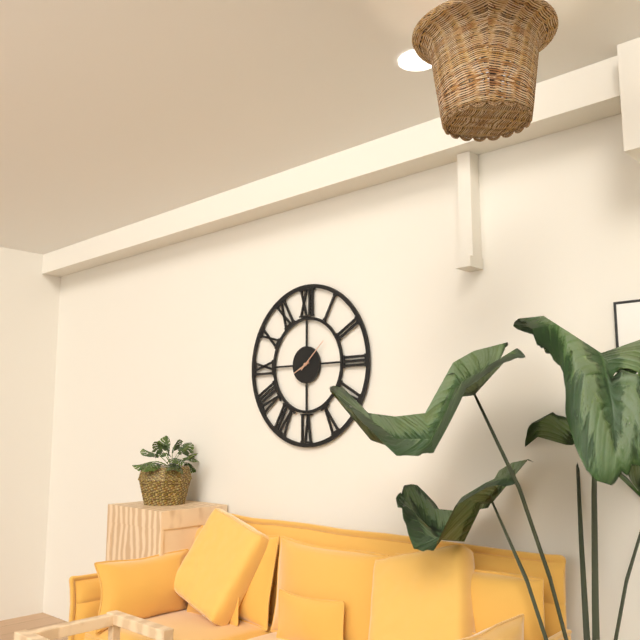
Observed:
8h08
